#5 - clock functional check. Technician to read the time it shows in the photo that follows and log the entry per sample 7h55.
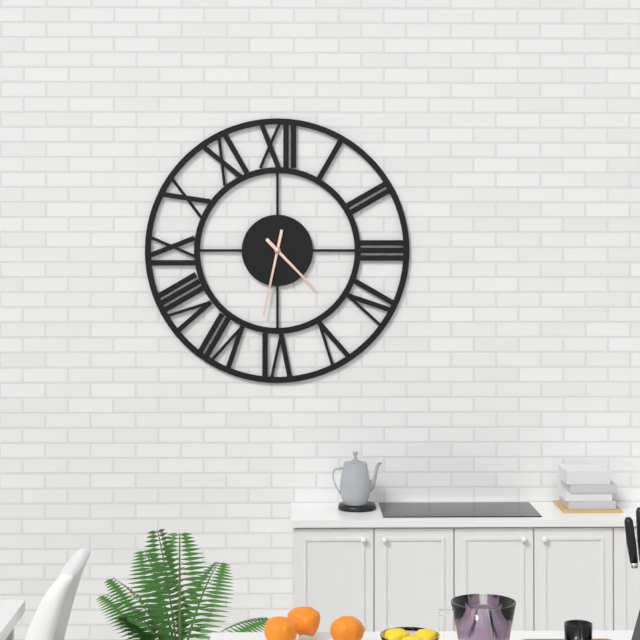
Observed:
4h32
